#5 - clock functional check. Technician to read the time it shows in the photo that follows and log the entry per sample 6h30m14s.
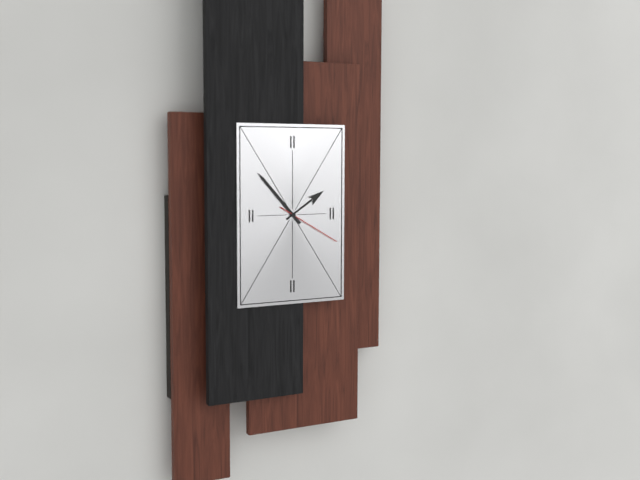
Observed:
1h53m20s
